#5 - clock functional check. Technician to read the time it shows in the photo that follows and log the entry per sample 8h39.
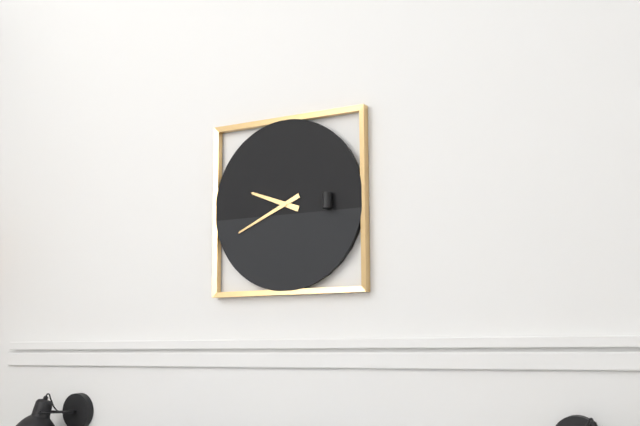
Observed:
9h41
